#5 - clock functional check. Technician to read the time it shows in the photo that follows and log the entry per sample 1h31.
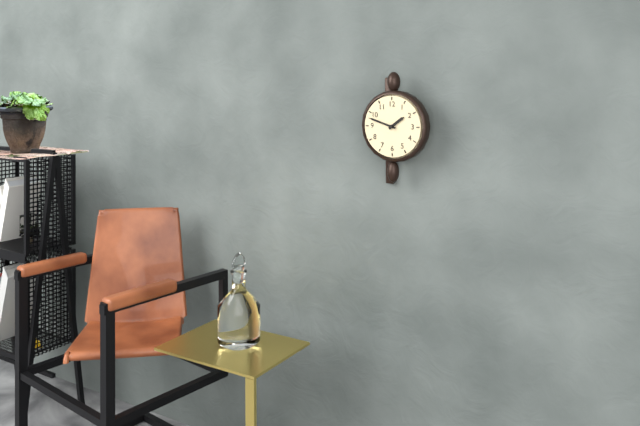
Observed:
1h48
